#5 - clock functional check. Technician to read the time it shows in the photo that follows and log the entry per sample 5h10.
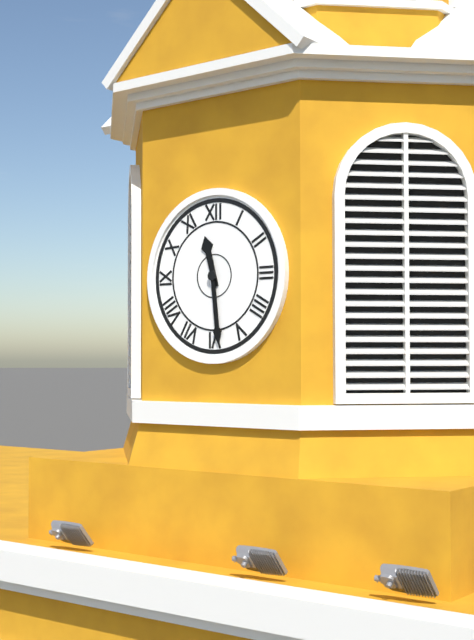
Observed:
11h29
